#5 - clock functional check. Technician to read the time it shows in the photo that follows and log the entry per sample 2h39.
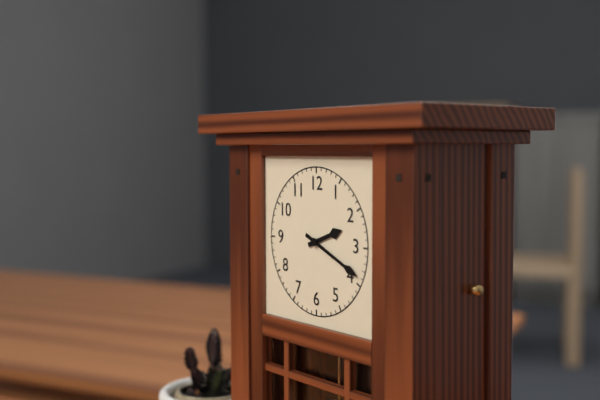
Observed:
2h19
